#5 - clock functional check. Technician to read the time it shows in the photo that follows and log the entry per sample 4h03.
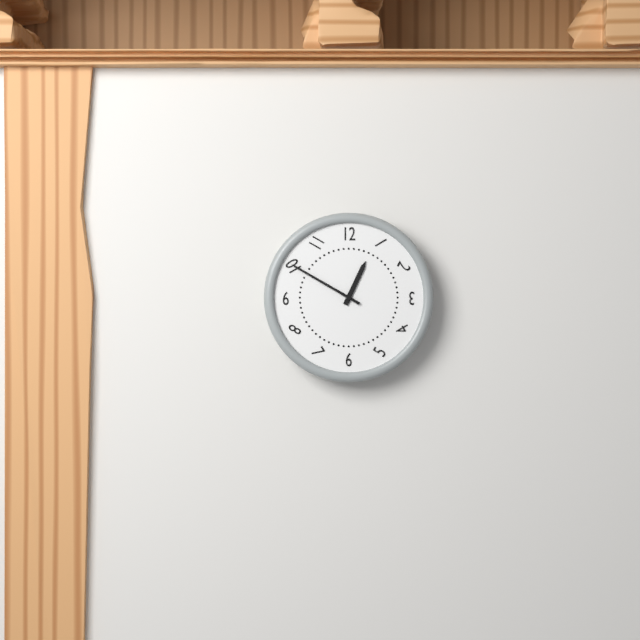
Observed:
12h50
